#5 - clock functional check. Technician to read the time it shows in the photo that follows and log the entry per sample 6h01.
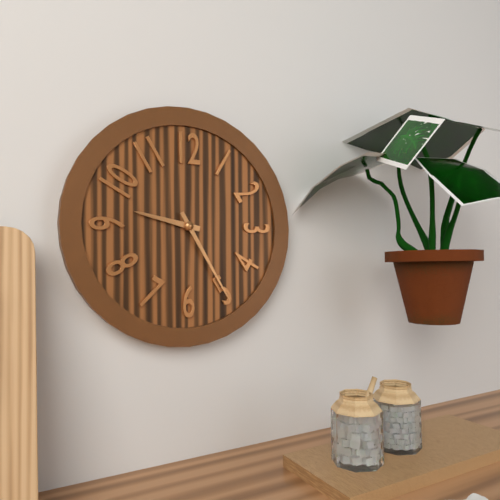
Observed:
9h25
